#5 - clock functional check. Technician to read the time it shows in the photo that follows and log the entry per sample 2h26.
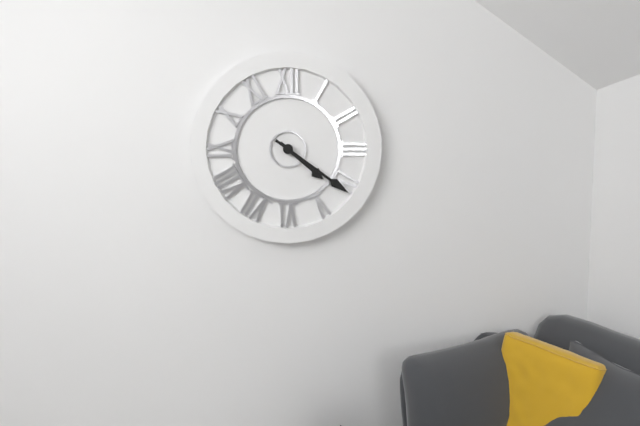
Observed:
4h21
